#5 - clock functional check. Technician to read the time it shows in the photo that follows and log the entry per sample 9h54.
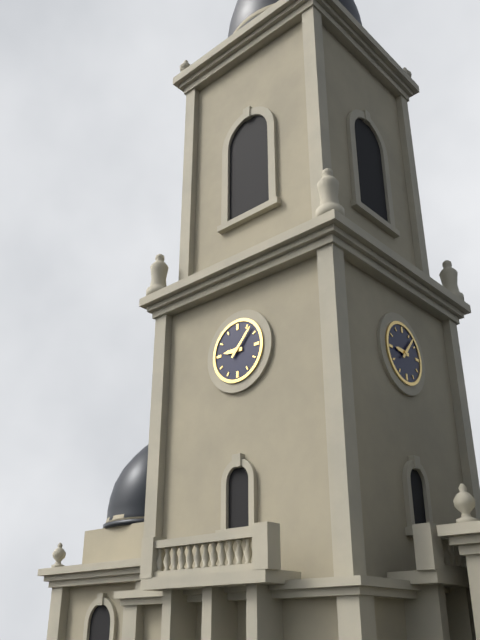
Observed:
9h07
